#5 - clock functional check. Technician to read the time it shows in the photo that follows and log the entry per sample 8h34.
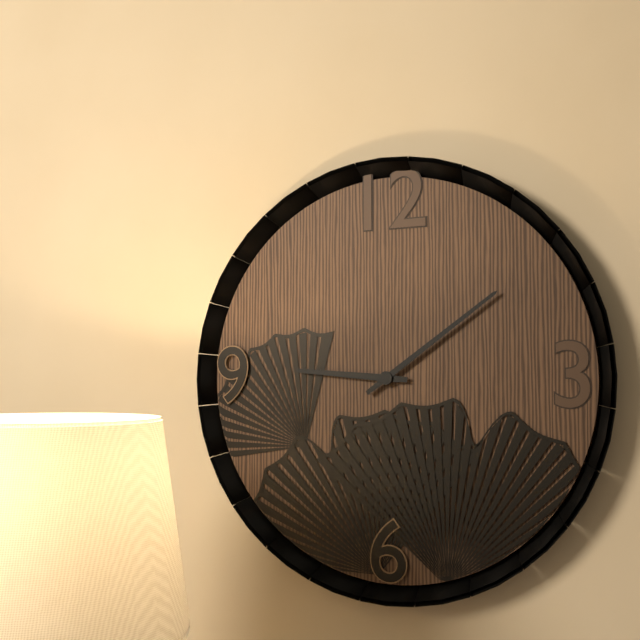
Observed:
9h09
